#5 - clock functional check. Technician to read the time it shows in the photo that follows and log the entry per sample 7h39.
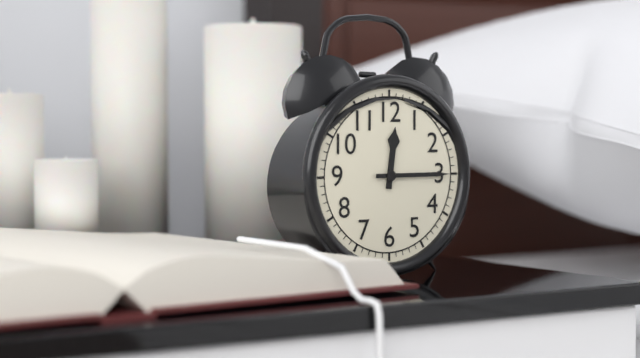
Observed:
12h15
